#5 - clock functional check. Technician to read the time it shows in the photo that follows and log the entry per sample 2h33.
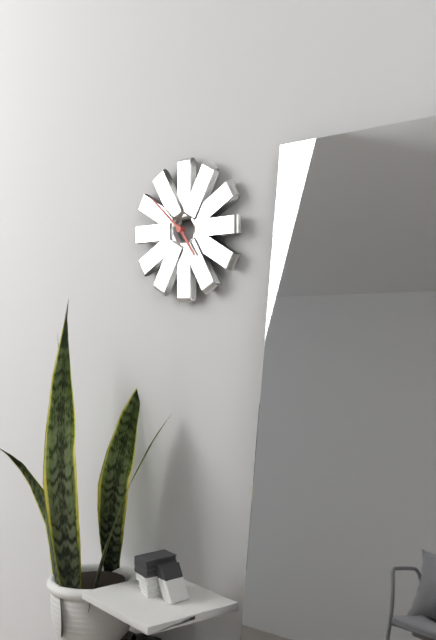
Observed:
4h52
